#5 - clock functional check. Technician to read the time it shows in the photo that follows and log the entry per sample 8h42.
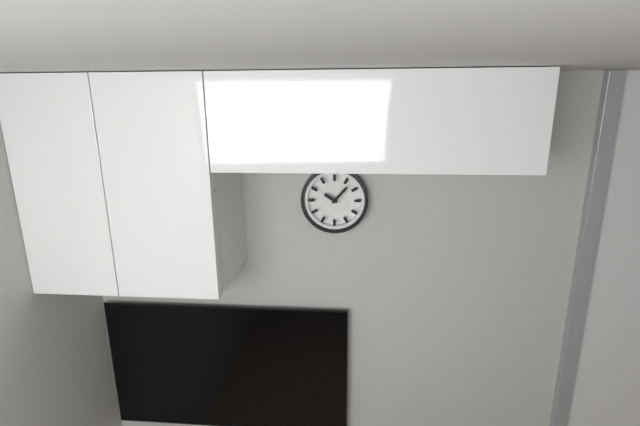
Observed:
10h07
